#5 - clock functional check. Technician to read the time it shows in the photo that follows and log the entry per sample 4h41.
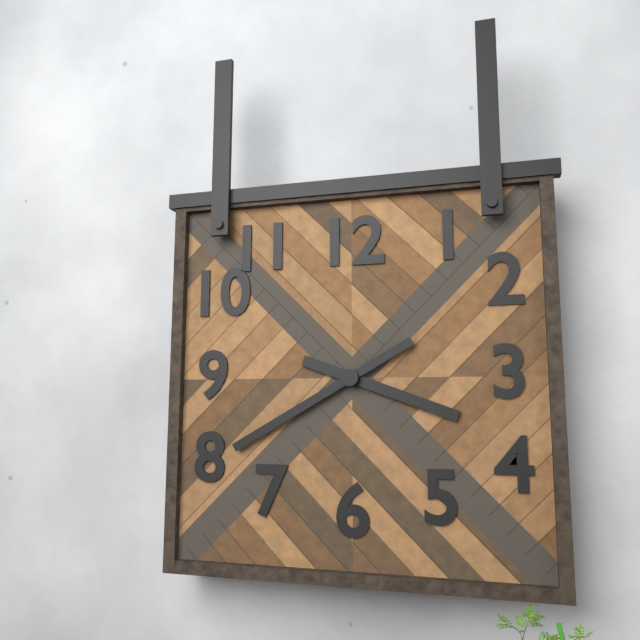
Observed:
3h40
